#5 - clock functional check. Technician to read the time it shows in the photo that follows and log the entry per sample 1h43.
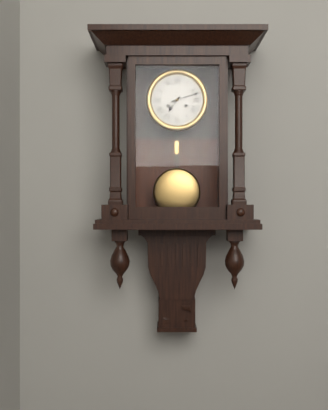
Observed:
7h12
